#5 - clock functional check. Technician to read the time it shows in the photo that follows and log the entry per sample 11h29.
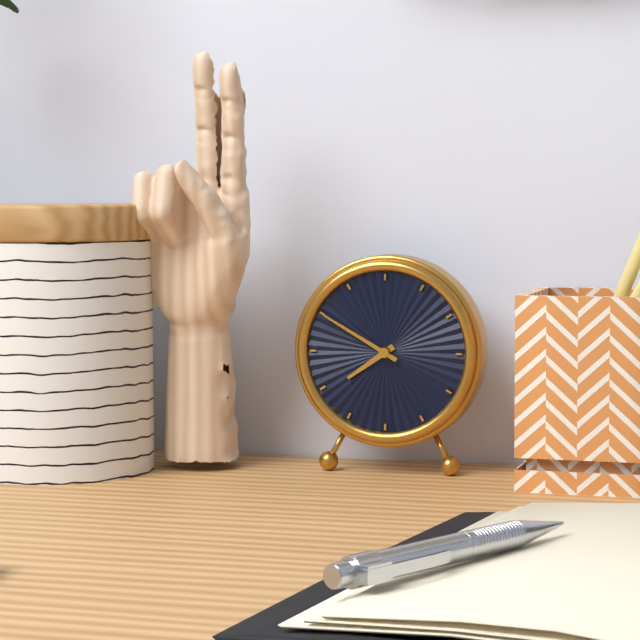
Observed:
7h50
